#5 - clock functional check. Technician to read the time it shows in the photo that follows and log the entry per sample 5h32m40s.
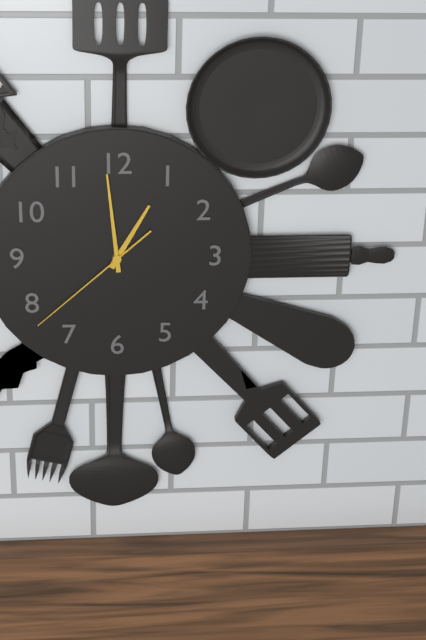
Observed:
12h59m38s
